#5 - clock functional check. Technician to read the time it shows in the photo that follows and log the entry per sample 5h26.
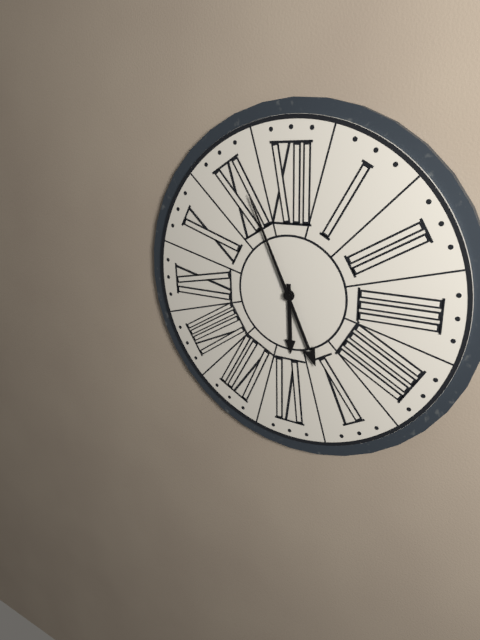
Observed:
5h56
